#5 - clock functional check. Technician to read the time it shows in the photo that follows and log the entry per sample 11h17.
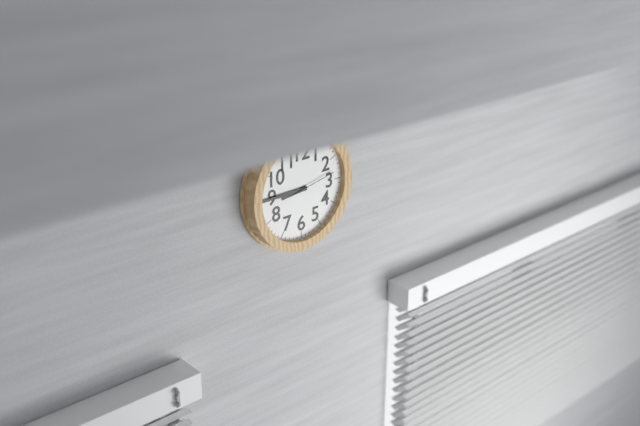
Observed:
8h45
